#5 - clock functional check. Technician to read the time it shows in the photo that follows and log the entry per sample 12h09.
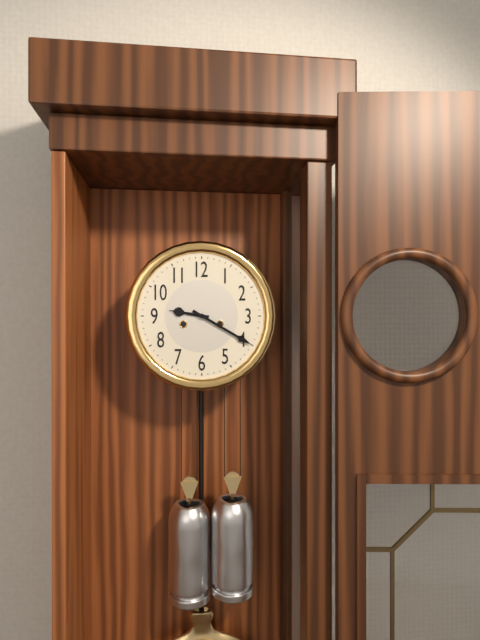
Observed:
9h20
